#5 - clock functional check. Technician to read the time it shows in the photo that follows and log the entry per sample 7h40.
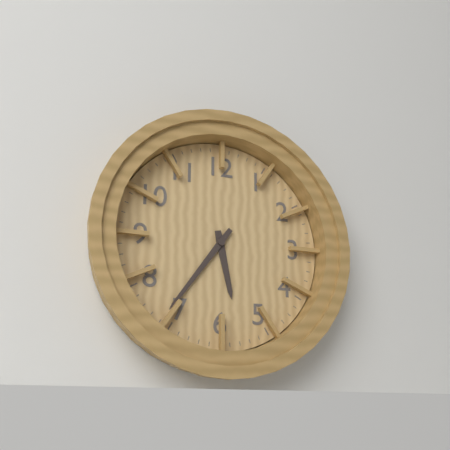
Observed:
5h36
